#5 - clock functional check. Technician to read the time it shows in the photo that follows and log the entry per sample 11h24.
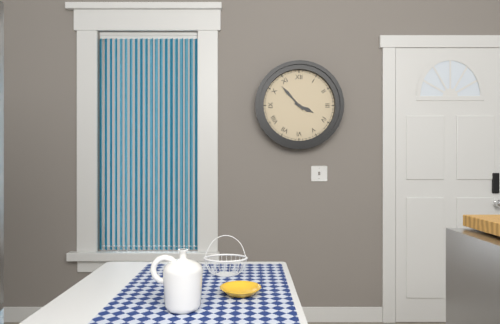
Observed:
3h53
